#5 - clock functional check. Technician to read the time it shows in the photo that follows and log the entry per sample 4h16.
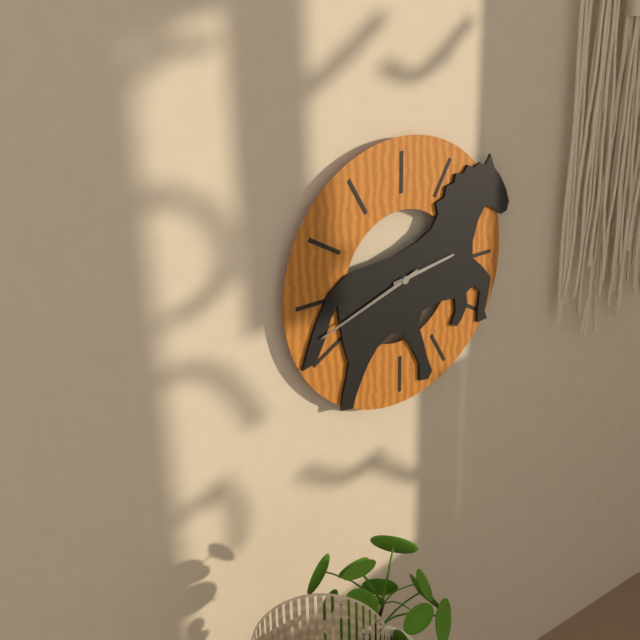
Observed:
2h42
